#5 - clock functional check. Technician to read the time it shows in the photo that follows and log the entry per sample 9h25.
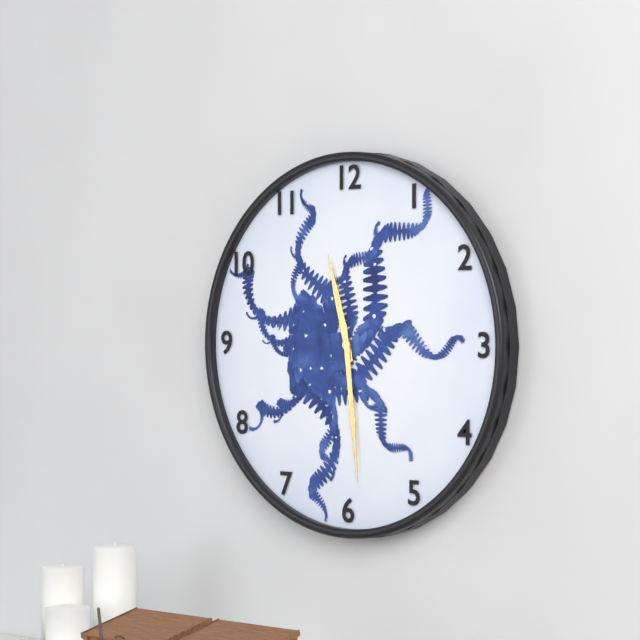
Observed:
11h29
